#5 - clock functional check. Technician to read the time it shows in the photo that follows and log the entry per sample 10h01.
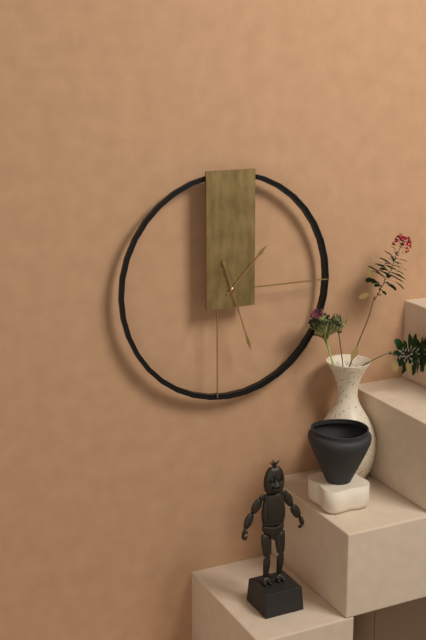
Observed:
1h27
